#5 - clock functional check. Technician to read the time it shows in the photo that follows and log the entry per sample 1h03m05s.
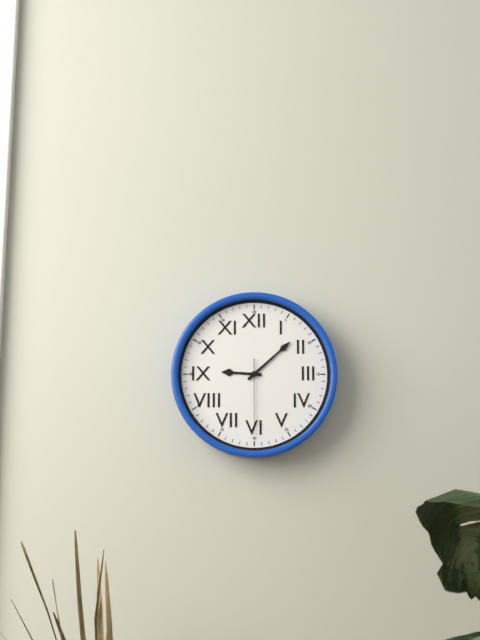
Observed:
9h08m30s
